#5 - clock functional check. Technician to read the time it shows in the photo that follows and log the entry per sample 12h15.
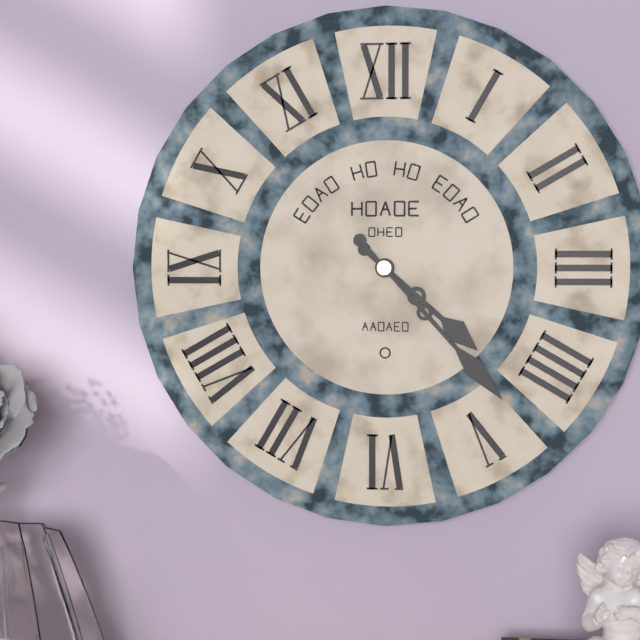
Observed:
4h23
